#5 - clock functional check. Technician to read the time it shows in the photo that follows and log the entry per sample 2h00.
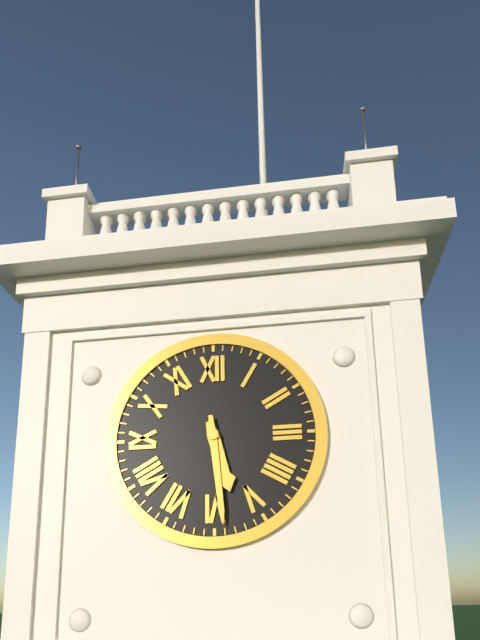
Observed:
5h29
